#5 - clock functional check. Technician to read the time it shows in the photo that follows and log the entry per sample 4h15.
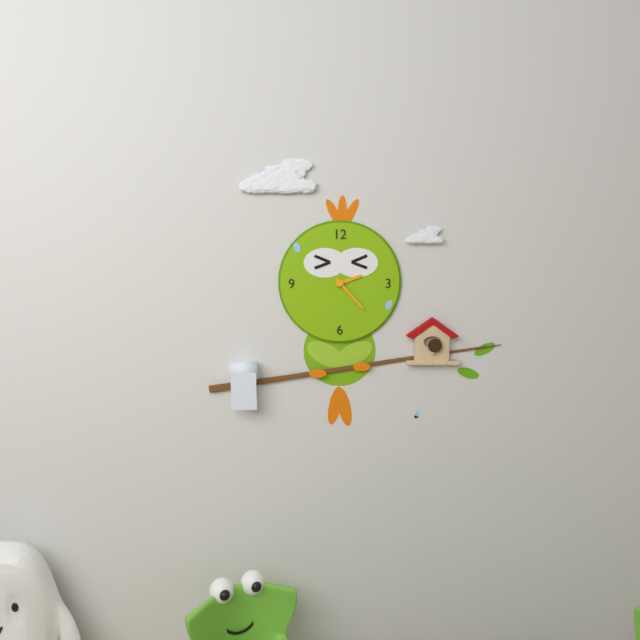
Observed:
2h23
